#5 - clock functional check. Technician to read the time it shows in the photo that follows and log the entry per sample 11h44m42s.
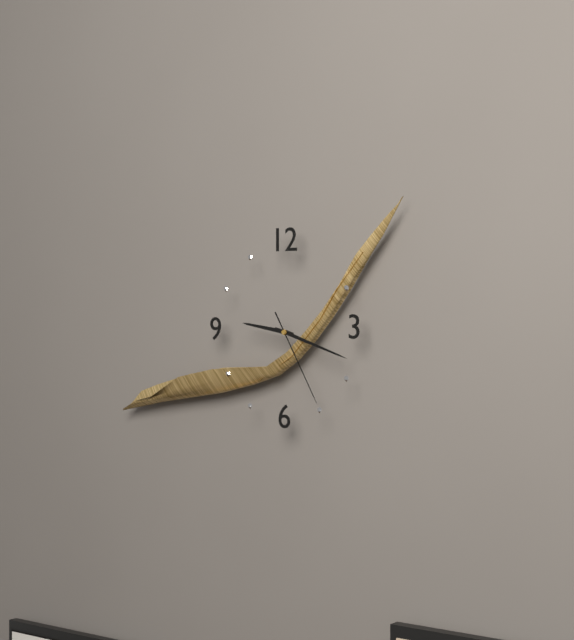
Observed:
9h18m25s
